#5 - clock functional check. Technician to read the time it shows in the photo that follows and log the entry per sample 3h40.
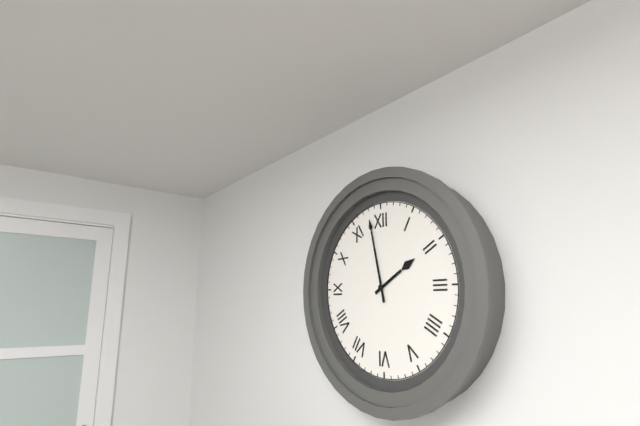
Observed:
1h58
